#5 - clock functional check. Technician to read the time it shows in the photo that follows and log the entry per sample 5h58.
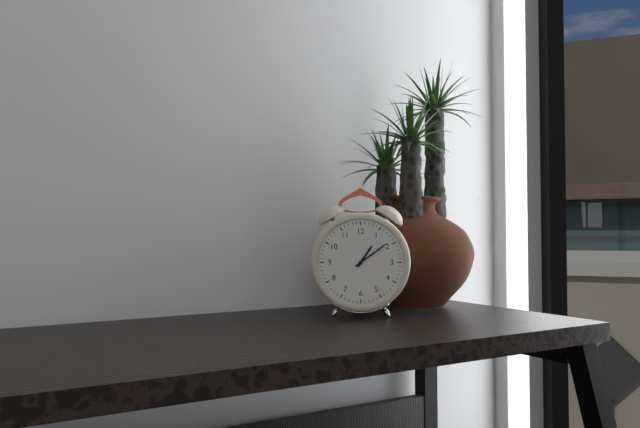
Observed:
1h09
